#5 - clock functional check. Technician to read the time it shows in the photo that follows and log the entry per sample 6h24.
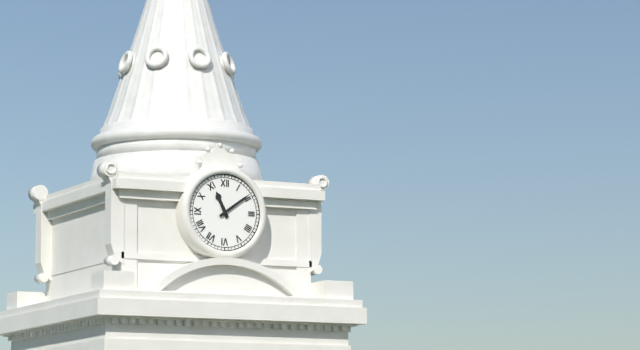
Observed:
11h09
